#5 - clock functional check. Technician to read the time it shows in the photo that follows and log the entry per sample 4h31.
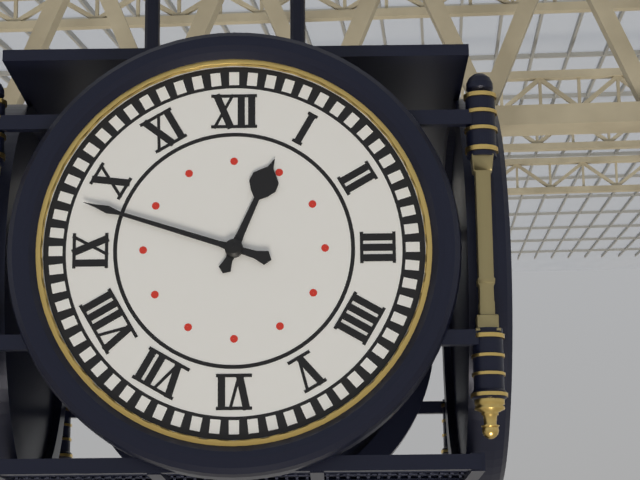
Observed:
12h48
